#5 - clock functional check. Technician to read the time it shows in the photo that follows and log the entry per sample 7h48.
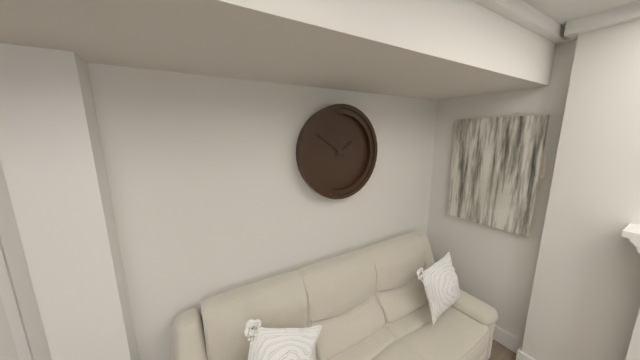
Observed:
1h51
